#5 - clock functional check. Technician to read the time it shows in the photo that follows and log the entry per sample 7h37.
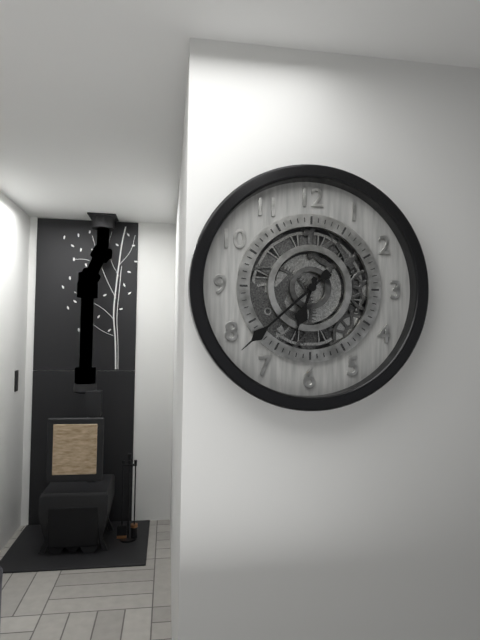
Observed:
6h38
